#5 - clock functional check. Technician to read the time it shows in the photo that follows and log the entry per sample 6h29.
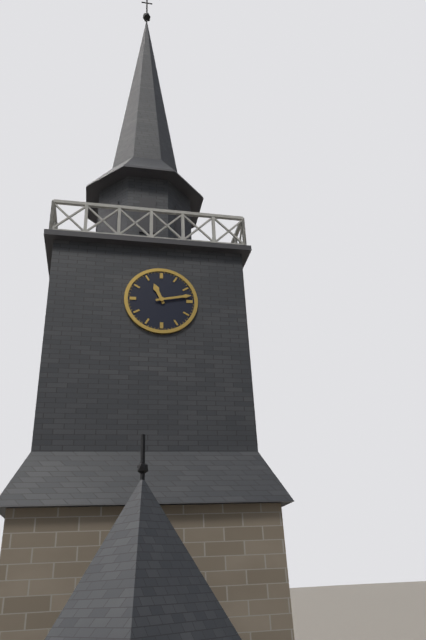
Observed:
11h13
